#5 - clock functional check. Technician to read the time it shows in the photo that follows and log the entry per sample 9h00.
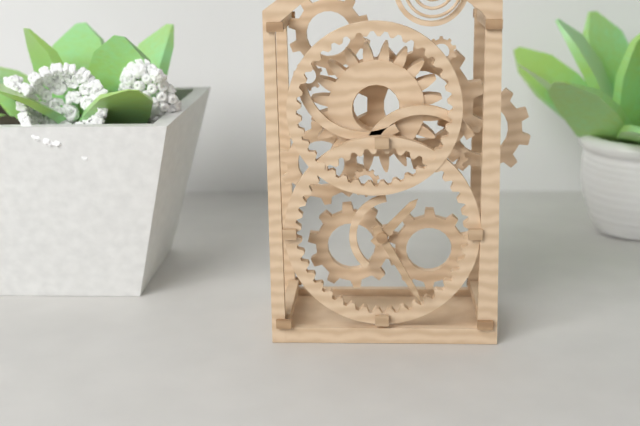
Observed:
1h25
